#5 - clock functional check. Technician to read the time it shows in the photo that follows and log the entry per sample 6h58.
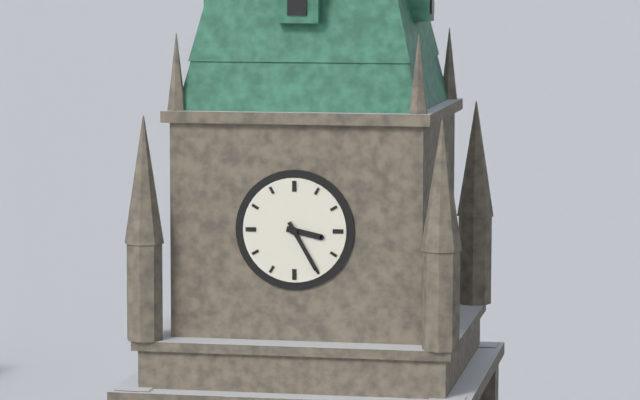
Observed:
3h25
